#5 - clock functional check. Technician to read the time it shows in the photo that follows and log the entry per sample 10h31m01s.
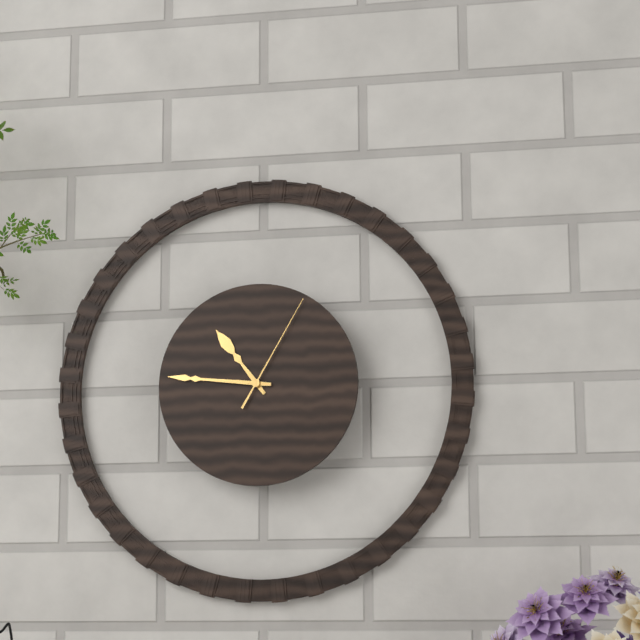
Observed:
10h46m05s
